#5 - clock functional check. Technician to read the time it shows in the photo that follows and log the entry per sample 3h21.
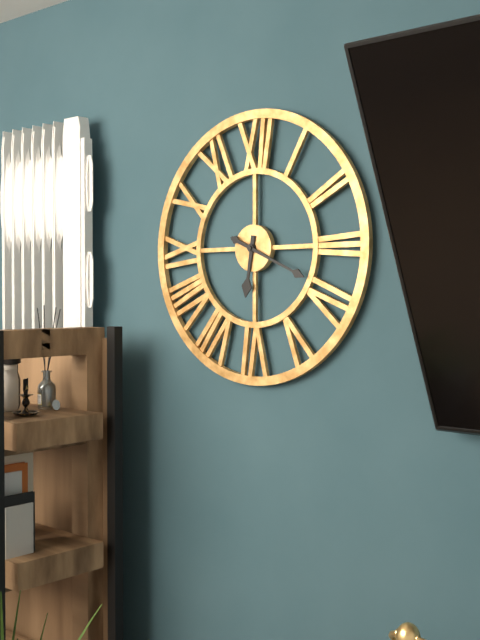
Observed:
6h19
